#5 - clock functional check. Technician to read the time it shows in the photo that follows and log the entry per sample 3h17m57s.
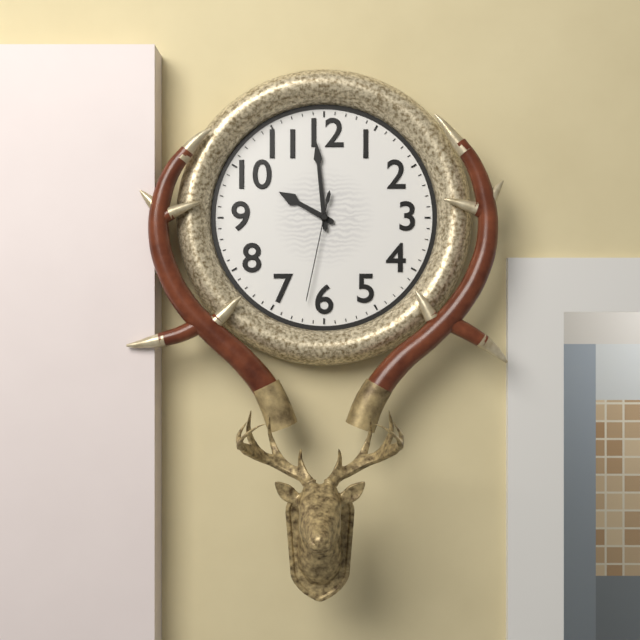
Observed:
9h59m32s
